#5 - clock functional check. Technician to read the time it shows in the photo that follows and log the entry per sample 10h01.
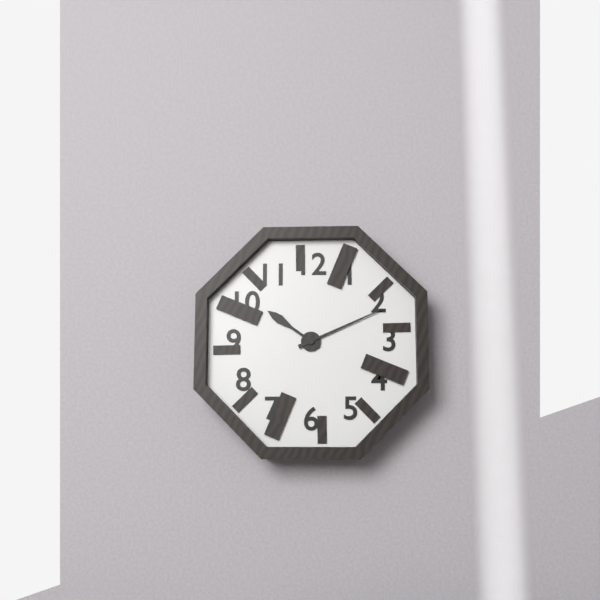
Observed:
10h11
